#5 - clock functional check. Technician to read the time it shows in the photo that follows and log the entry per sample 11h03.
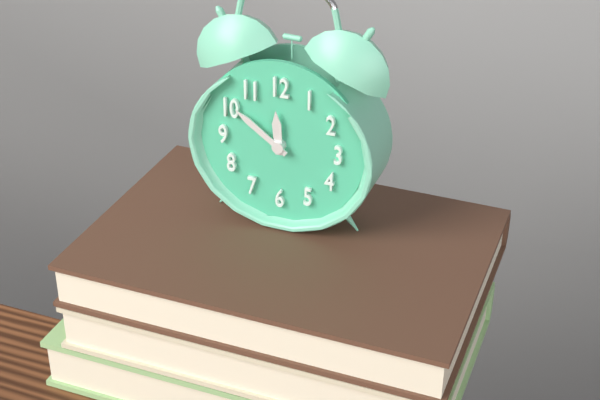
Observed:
11h51
